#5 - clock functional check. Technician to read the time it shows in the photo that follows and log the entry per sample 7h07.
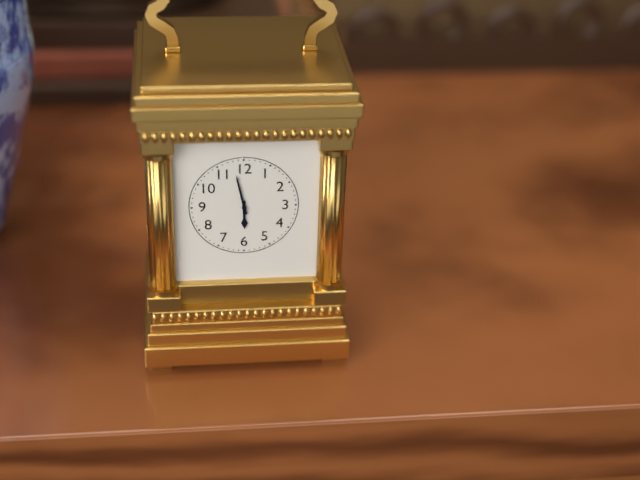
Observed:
5h58
